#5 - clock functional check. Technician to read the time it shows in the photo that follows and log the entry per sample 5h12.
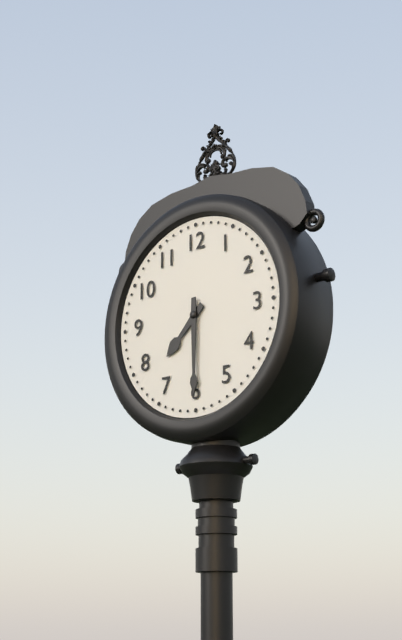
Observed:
7h30
